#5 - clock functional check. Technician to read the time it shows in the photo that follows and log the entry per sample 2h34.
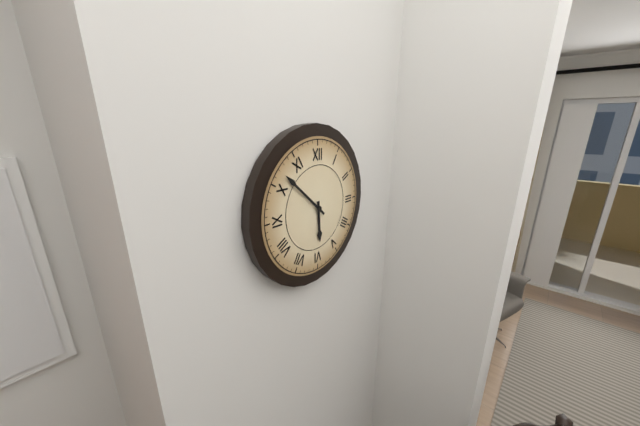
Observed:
5h52
